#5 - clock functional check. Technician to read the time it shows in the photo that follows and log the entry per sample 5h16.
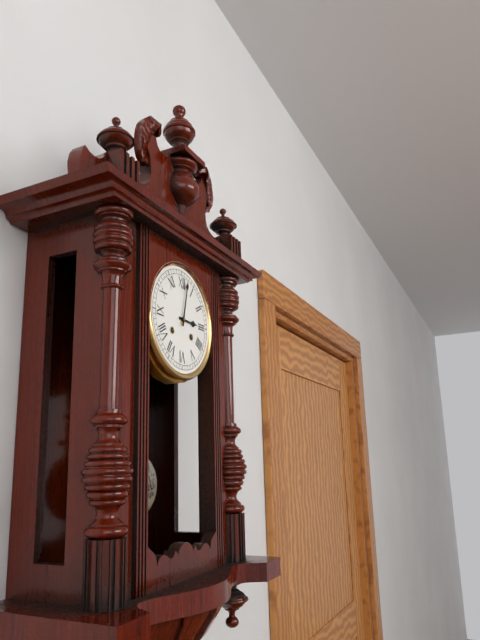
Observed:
3h02
